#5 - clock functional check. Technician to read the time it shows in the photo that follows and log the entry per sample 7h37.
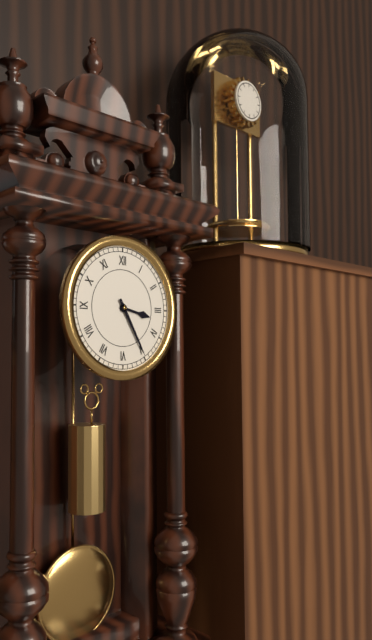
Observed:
3h25
